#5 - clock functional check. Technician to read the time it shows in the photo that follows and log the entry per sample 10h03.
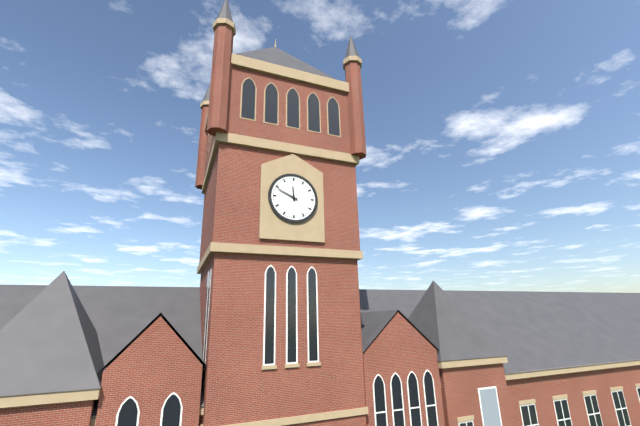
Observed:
11h49
